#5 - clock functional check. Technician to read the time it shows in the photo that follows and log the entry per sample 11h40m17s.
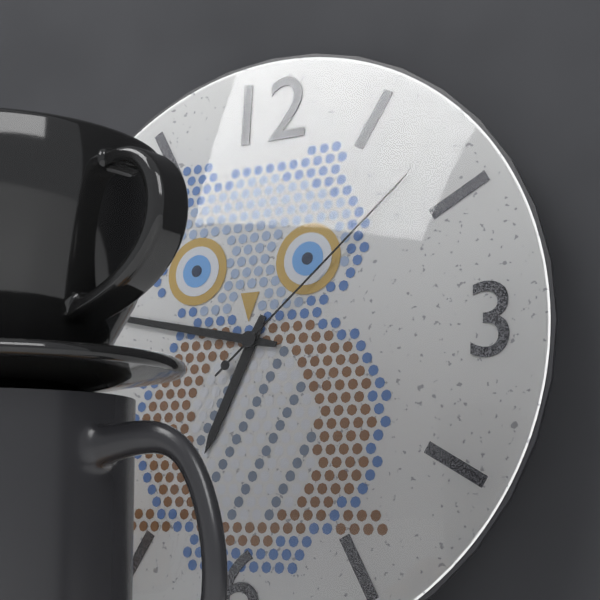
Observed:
6h47m08s
